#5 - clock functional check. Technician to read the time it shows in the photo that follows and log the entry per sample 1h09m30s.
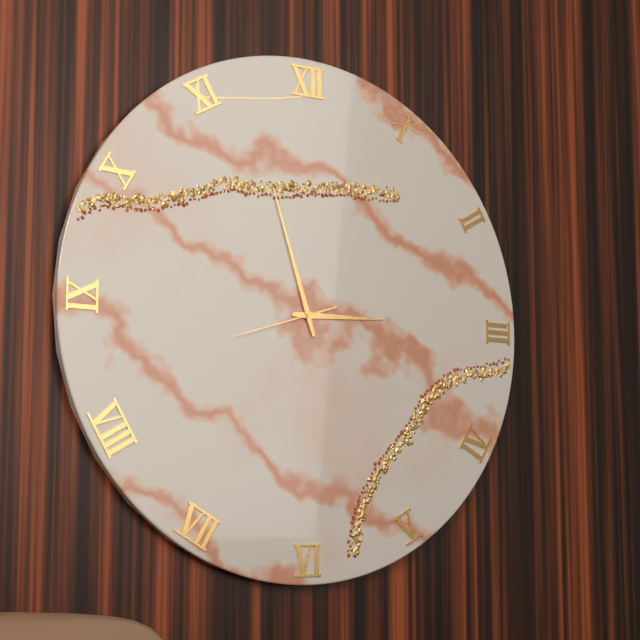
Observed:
2h57m42s
